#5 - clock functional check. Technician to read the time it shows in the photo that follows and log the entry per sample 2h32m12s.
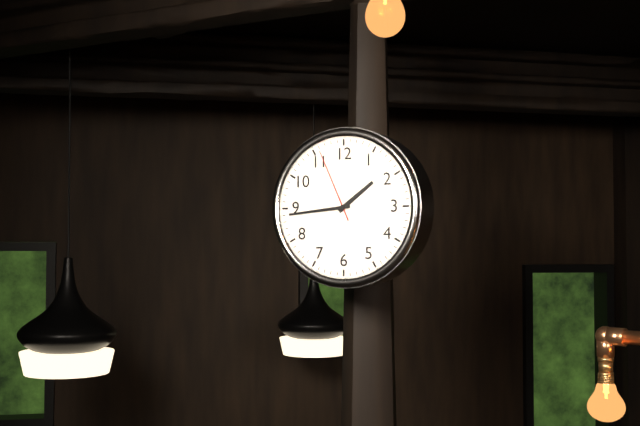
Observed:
1h44m56s
